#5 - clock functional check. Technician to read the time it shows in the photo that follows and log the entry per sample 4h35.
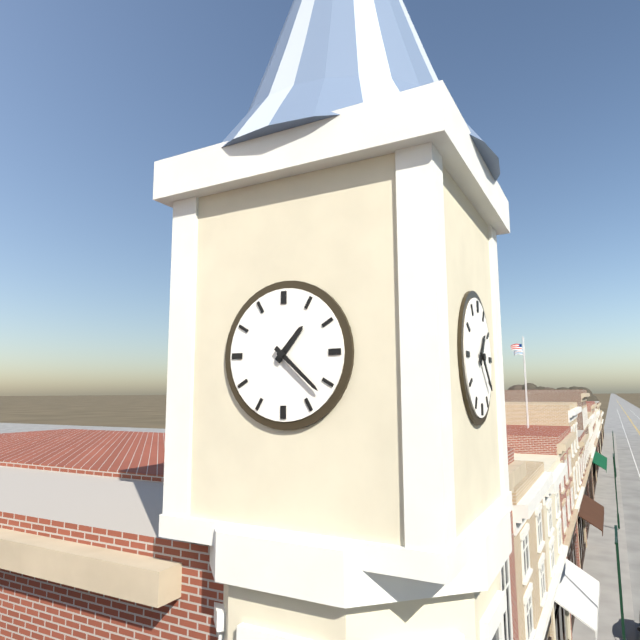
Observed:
1h22
